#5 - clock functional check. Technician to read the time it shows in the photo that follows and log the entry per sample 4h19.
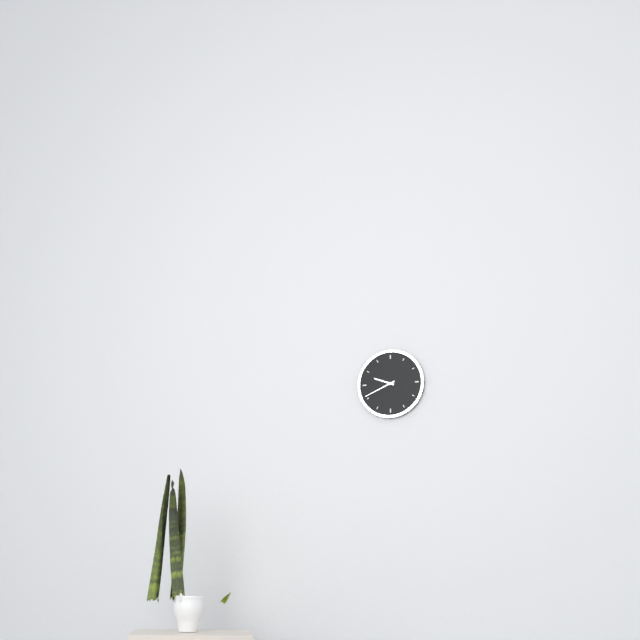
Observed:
9h41
